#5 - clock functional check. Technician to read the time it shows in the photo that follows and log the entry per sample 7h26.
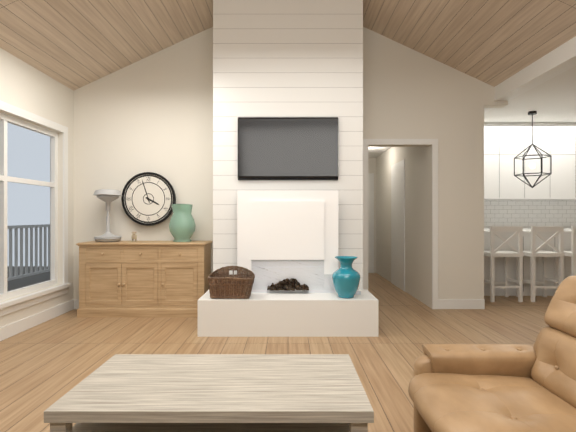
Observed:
3h57
